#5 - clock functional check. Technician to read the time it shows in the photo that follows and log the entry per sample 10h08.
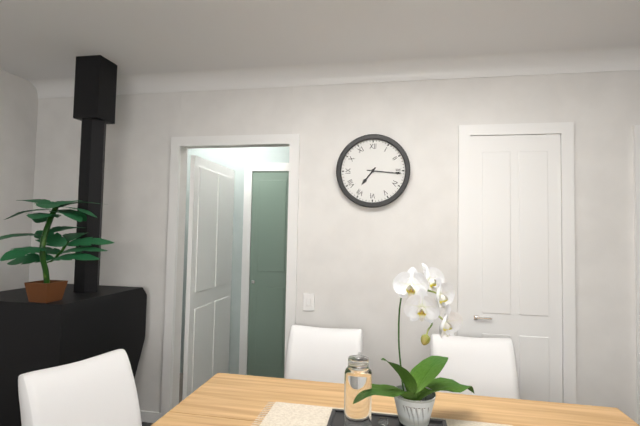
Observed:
7h16
